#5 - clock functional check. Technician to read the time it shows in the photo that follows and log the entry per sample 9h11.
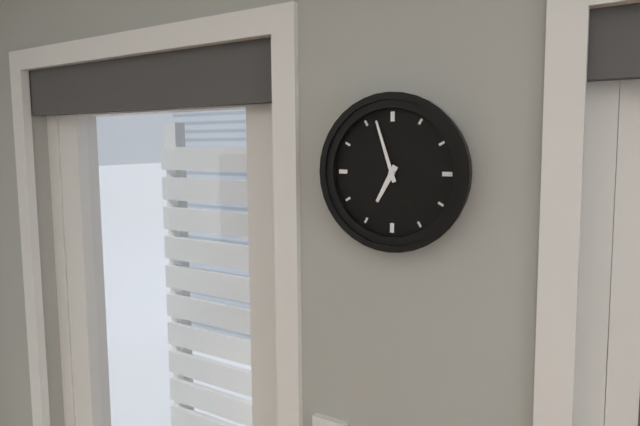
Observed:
6h57
